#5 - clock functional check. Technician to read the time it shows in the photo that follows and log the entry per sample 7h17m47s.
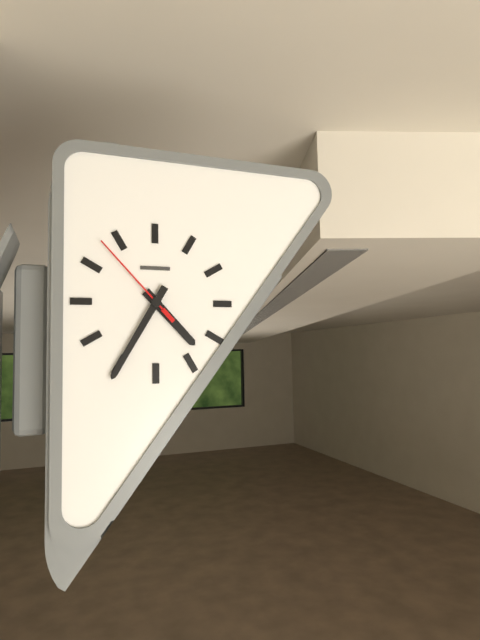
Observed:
4h35m53s
